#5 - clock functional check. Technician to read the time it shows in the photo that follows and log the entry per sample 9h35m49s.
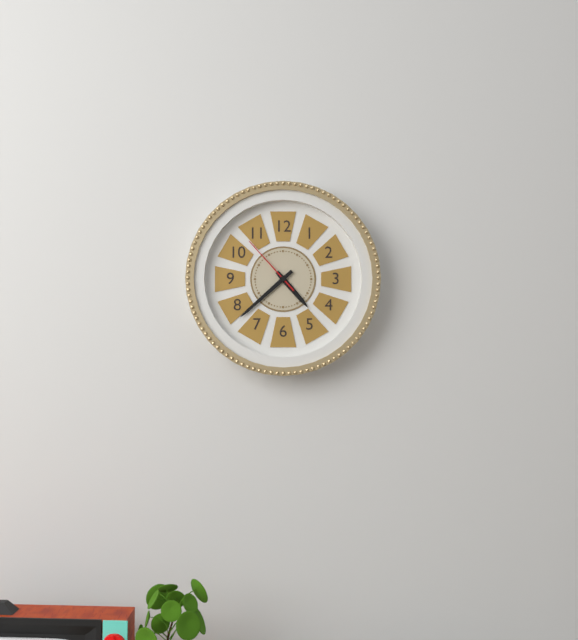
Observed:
4h38m53s
